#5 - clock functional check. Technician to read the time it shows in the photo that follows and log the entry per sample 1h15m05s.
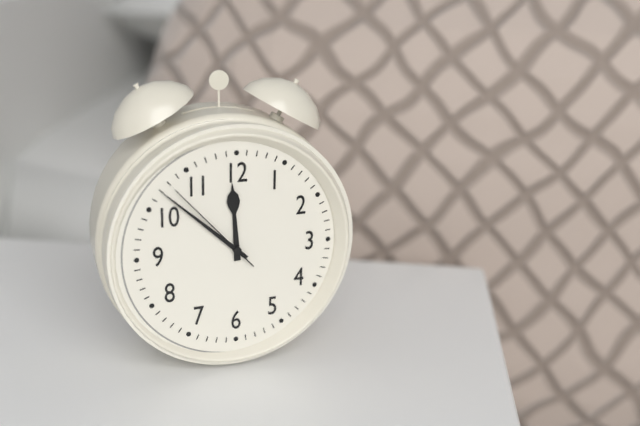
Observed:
11h52m53s
